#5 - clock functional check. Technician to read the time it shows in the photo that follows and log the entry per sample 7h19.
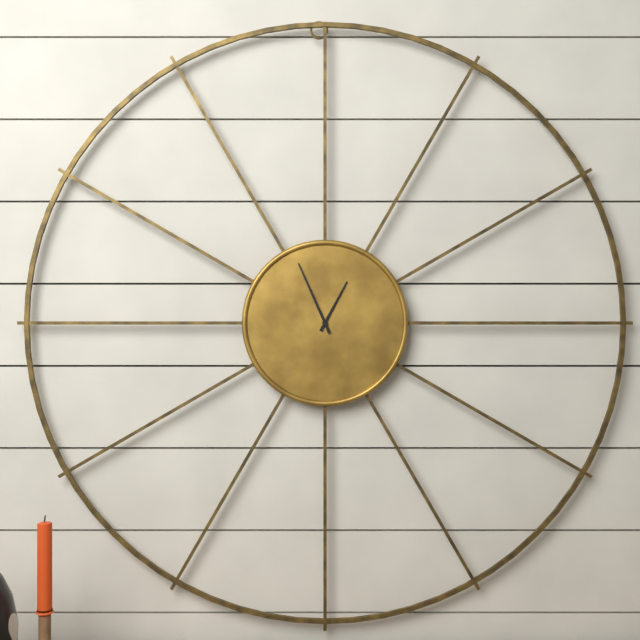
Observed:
12h56
